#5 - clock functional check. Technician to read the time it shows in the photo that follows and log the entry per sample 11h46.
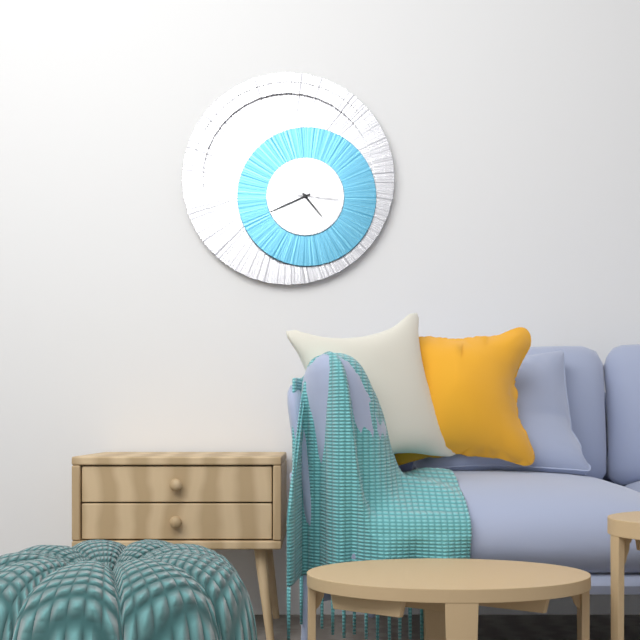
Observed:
4h41
